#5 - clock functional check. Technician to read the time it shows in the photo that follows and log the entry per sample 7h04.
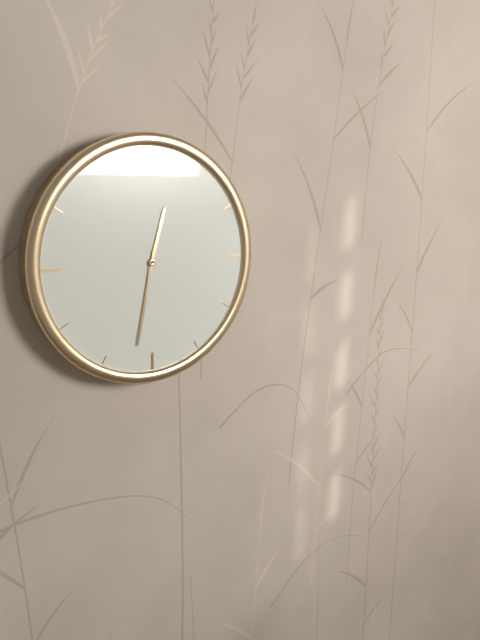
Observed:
12h32
